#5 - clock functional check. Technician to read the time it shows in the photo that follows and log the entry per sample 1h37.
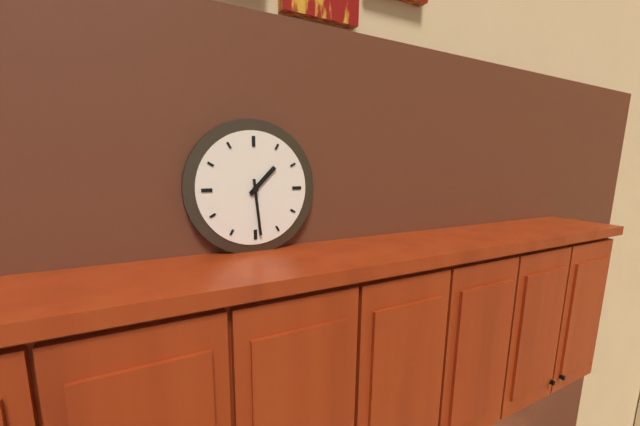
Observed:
1h29
